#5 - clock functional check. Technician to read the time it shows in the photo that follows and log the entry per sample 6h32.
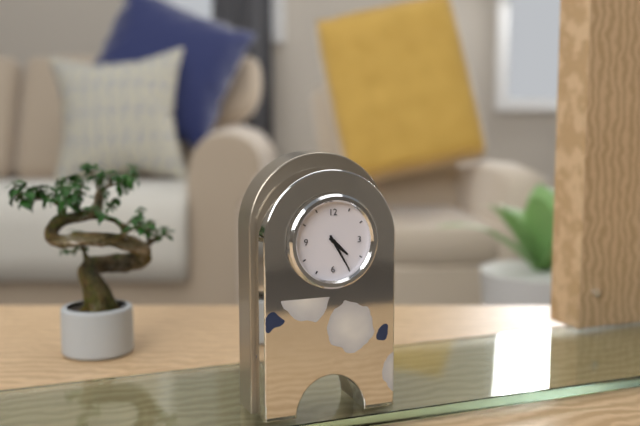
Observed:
4h25
